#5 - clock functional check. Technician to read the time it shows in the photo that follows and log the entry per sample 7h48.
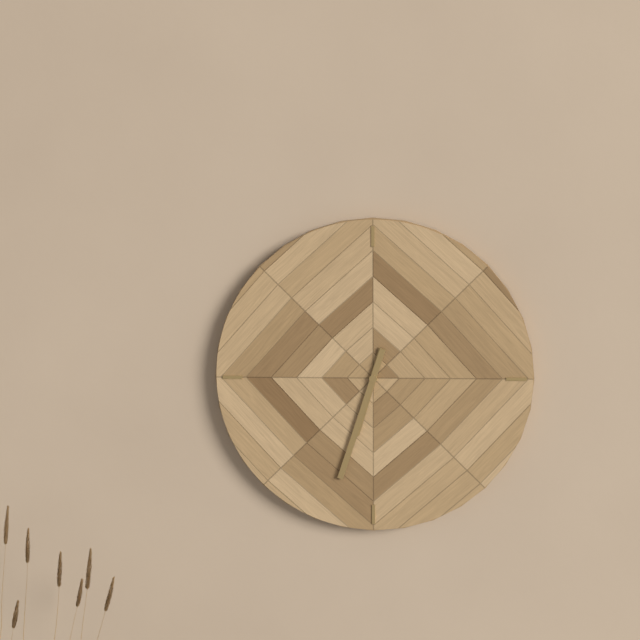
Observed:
6h33
